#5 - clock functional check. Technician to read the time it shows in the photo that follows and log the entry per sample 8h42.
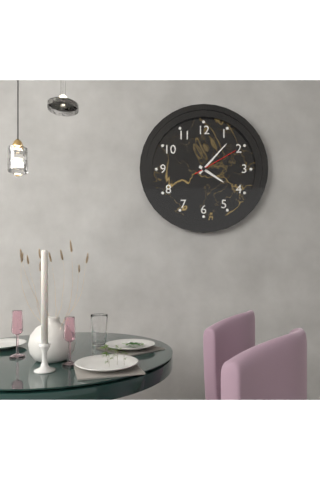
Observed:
4h07
